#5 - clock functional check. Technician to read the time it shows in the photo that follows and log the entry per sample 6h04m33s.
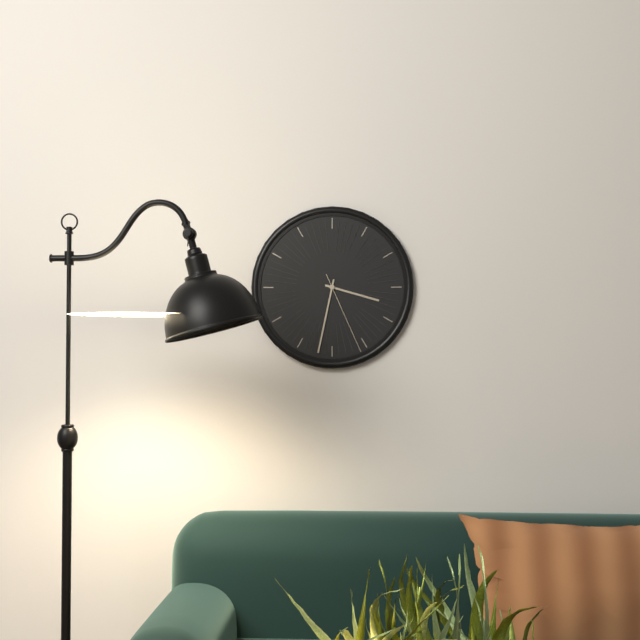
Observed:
3h32m26s
